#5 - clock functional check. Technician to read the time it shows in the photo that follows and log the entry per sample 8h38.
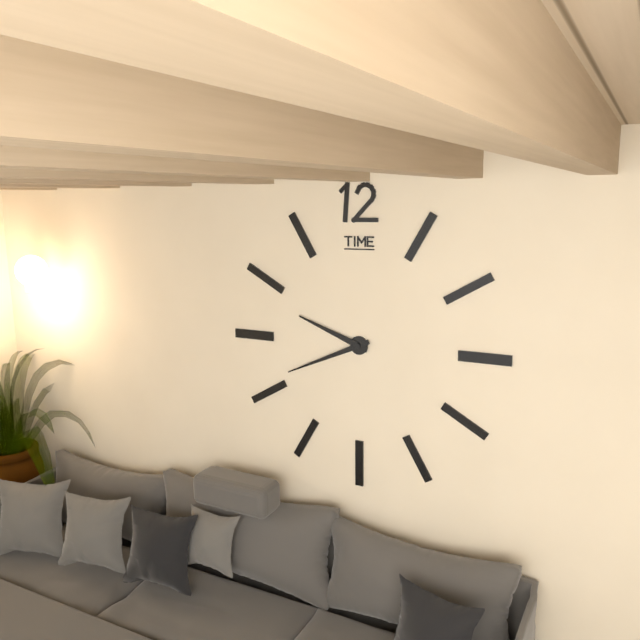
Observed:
9h41
